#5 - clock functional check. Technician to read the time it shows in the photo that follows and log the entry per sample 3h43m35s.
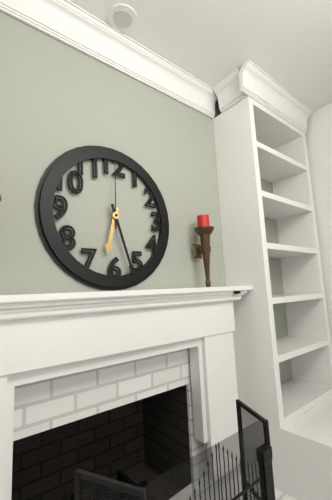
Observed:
6h27m00s
